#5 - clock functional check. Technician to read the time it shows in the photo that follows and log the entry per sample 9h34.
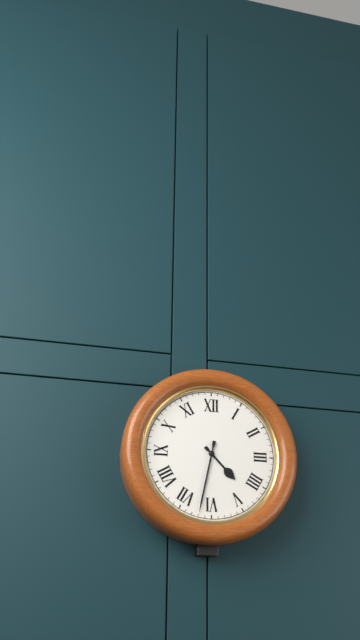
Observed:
4h32
